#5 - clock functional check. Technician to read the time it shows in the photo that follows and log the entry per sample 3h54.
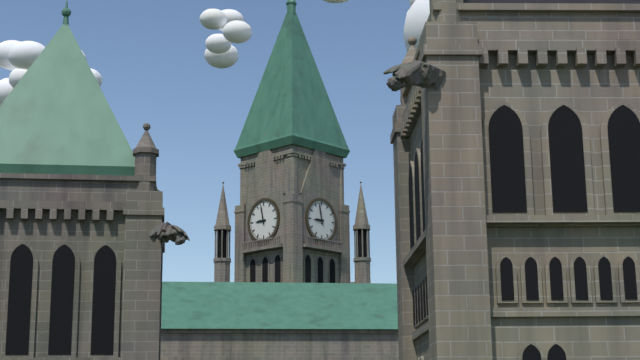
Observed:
8h58
